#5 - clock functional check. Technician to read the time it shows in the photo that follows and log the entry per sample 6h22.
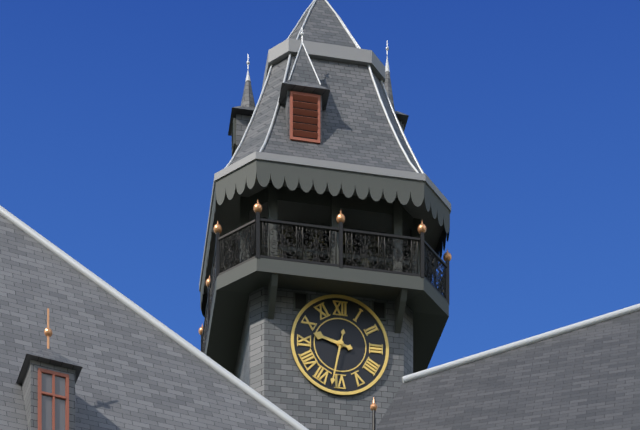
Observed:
9h32
